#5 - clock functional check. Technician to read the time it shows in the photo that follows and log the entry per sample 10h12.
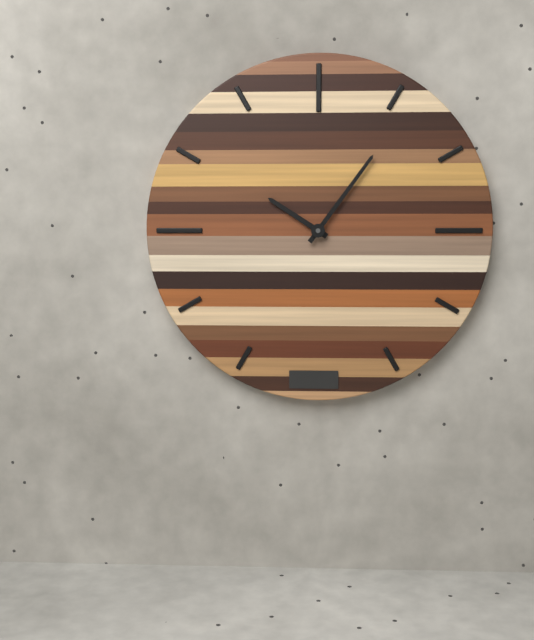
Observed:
10h06
